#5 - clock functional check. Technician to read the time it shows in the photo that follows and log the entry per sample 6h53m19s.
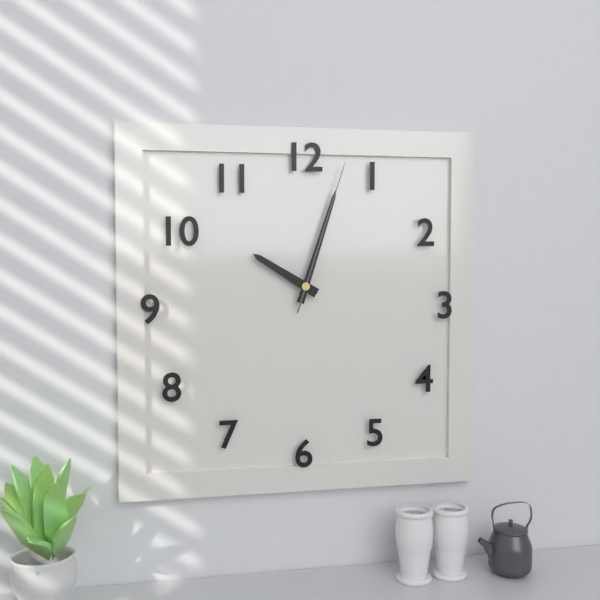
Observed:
10h03m03s
